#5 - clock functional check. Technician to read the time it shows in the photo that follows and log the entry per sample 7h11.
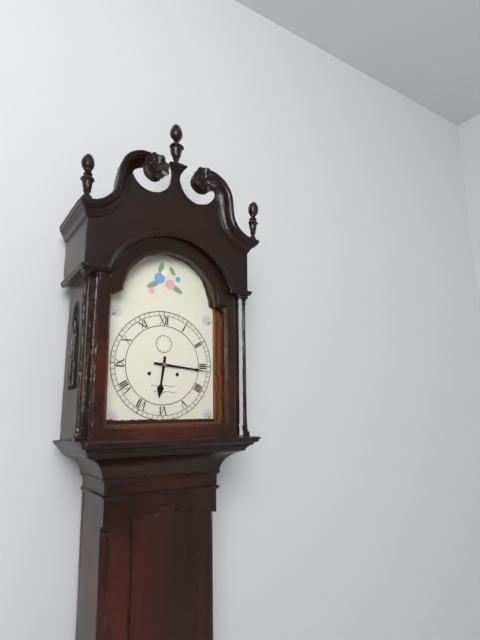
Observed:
6h16
